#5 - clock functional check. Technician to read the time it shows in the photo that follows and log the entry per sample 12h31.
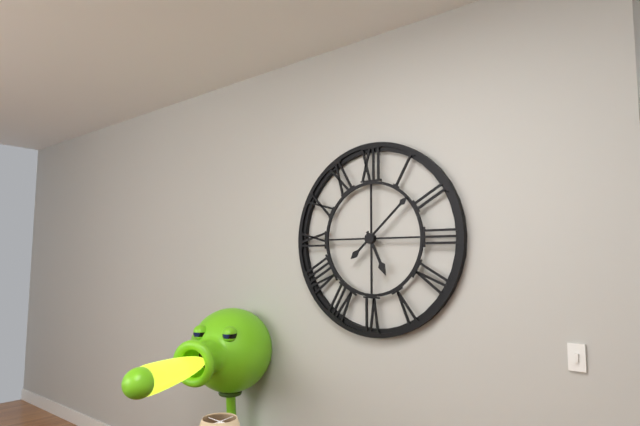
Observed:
5h08
